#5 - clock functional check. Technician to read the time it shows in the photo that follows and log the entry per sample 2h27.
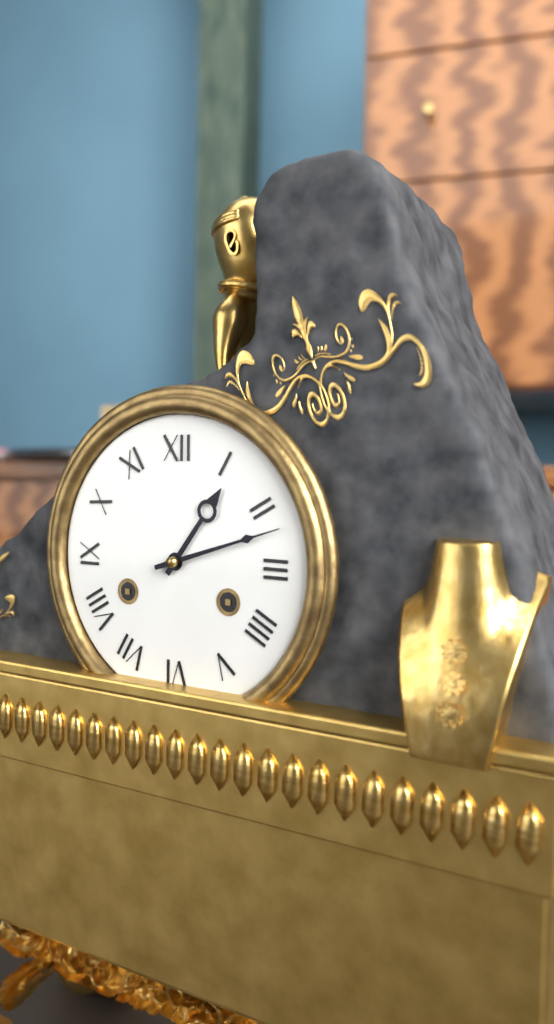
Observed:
1h12
